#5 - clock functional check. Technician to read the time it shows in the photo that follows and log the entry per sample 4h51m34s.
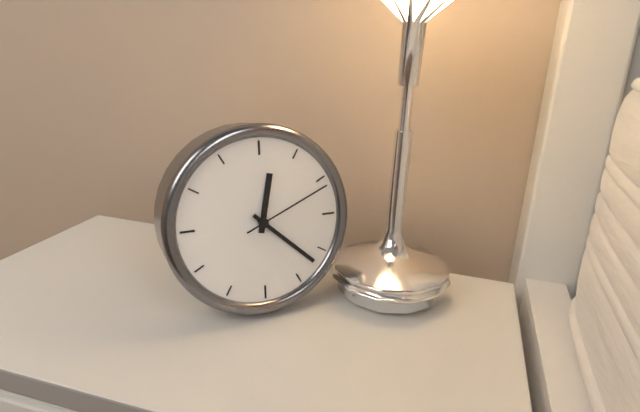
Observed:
12h22m11s
